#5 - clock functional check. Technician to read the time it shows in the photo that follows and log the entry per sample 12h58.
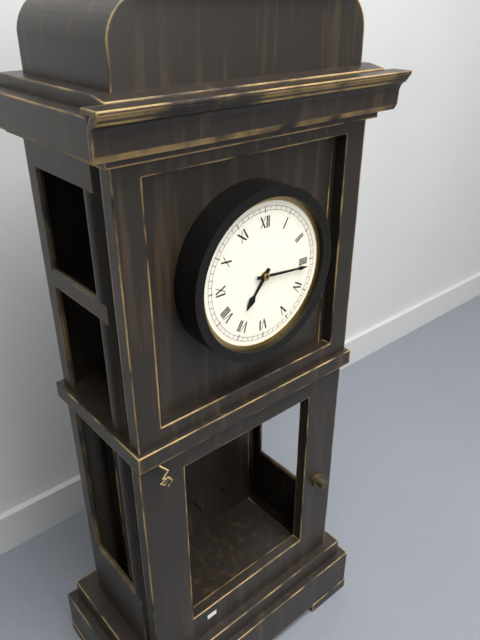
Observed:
7h16
